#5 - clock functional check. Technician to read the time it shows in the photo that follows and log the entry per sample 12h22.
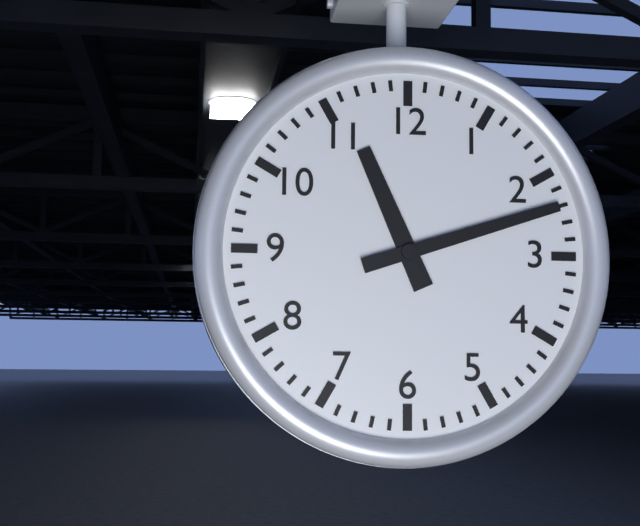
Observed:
11h12
